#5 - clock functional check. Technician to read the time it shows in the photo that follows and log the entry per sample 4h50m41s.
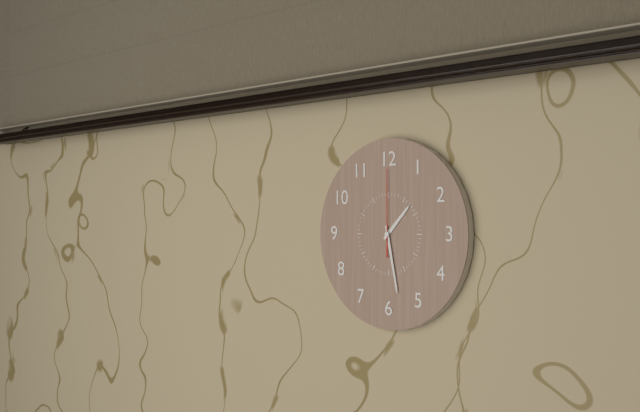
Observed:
1h28m00s
